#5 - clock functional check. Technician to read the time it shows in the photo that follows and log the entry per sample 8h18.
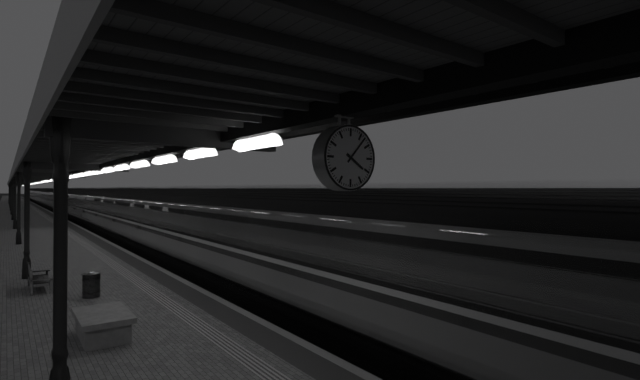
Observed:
4h07
